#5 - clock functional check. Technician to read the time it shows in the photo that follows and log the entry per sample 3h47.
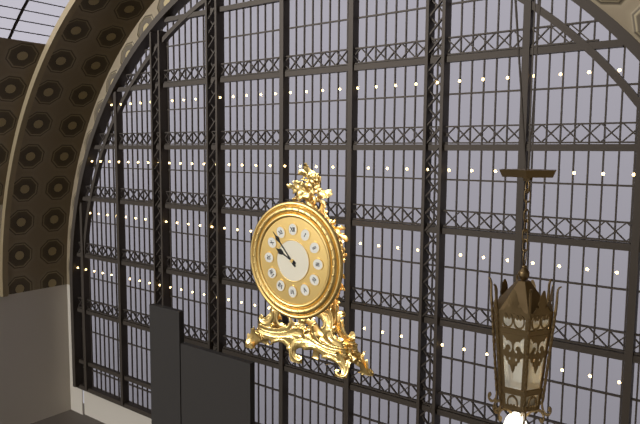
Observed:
9h53
